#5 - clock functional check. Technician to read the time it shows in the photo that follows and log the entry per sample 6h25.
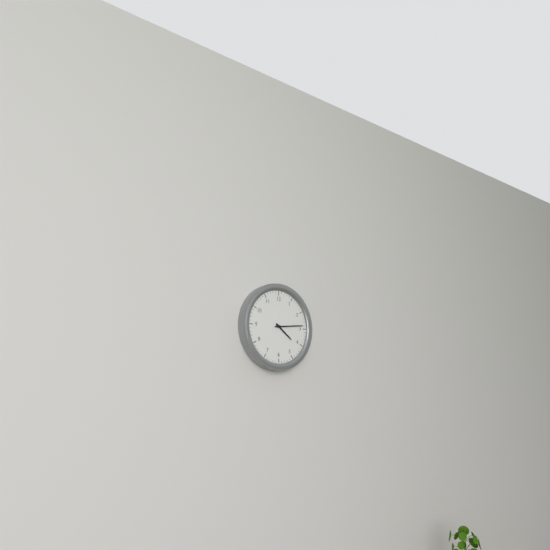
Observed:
4h14
